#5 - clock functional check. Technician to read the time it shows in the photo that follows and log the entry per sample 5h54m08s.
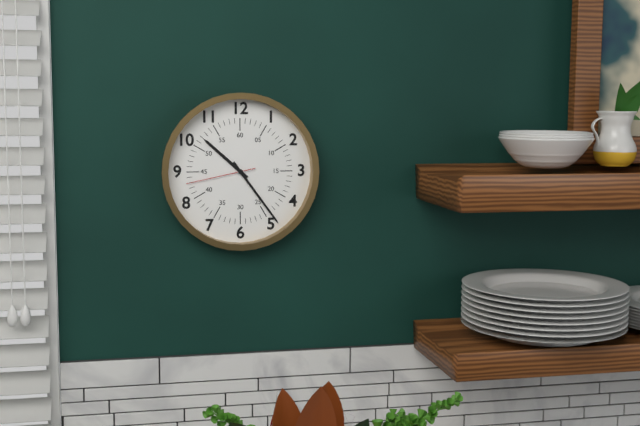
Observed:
10h24m43s
